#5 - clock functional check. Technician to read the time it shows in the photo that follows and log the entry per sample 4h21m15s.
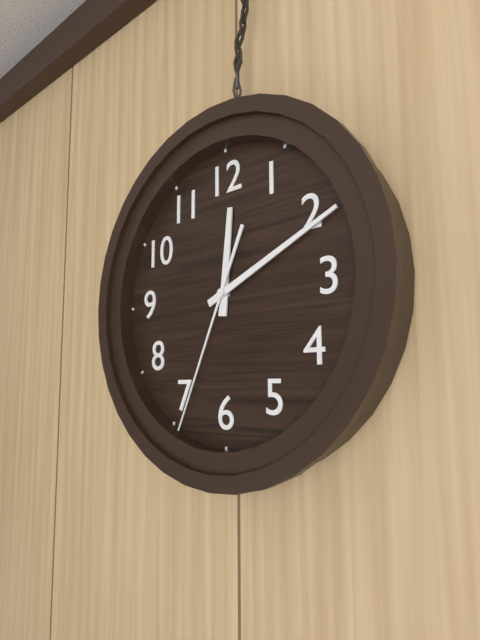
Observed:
12h11m34s
